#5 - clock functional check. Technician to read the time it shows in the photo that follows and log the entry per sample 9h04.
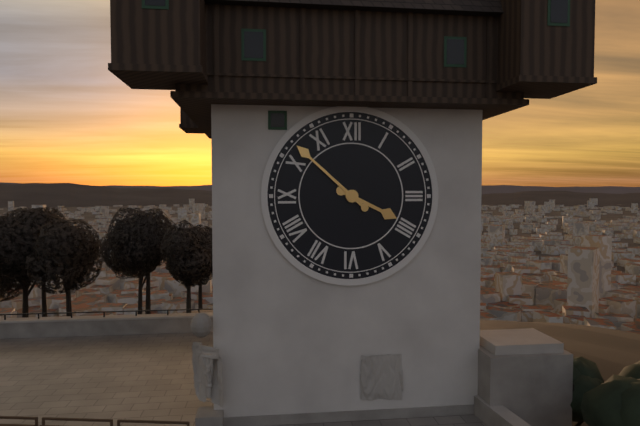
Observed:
3h52
